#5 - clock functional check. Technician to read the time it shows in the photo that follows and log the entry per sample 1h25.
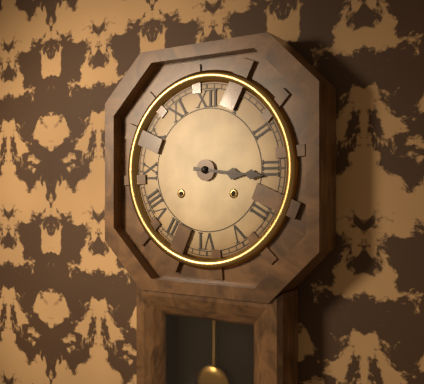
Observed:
3h16
